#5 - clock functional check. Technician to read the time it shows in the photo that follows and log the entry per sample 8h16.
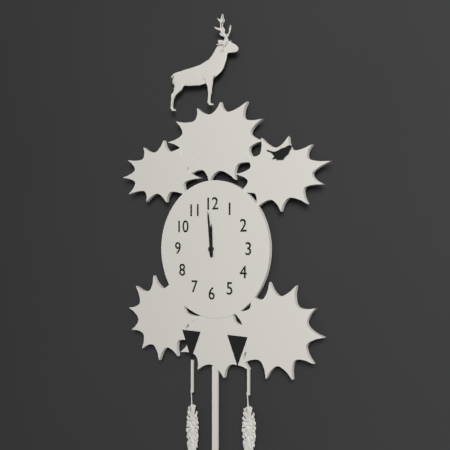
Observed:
11h59
